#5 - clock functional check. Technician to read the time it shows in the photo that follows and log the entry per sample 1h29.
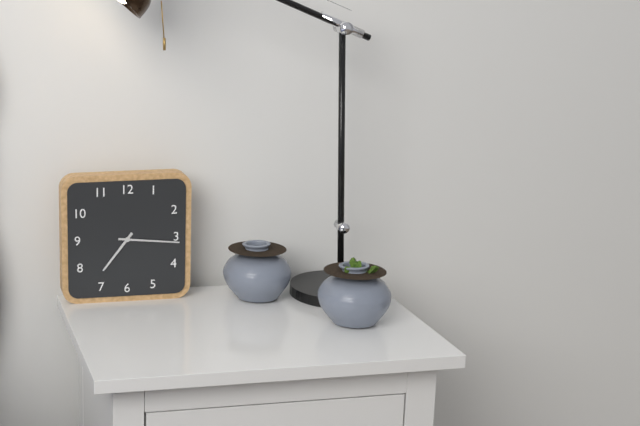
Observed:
7h16
